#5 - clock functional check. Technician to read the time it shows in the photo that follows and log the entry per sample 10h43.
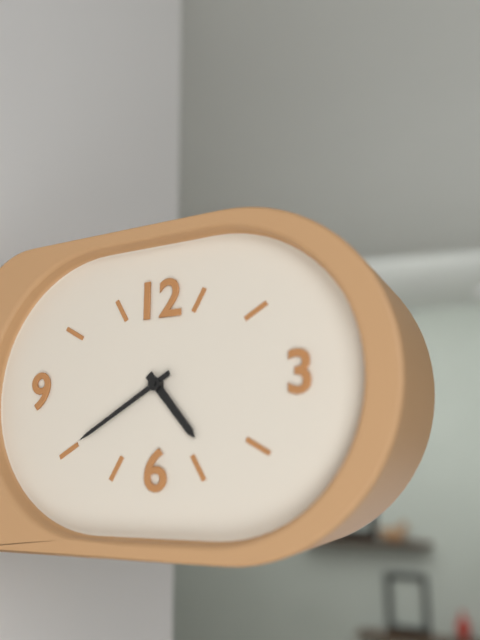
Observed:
4h40
